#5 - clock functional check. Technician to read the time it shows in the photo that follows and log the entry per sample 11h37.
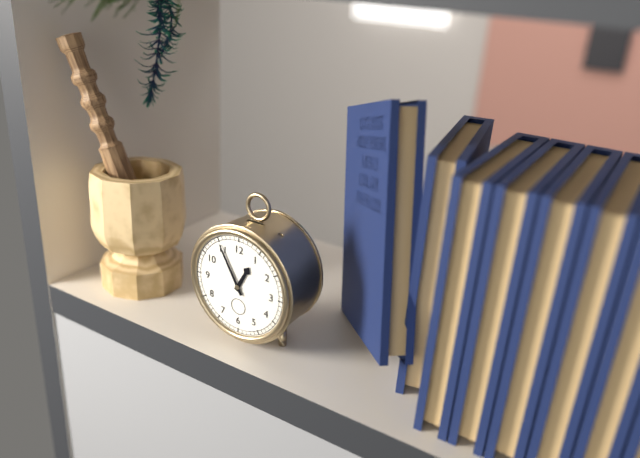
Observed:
12h55
